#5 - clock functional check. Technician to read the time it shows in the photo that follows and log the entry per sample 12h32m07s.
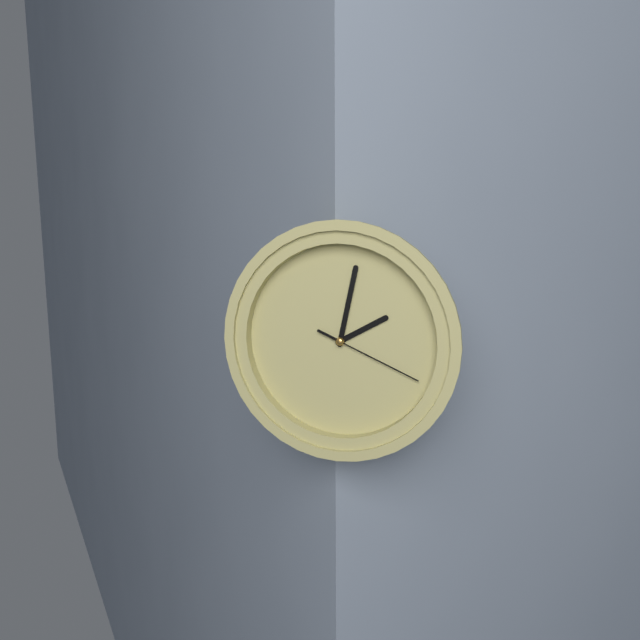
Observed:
2h02m19s
